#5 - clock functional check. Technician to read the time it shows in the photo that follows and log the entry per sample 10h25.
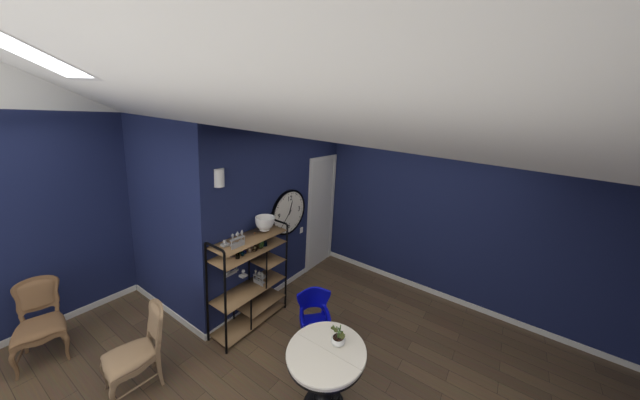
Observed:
12h37
